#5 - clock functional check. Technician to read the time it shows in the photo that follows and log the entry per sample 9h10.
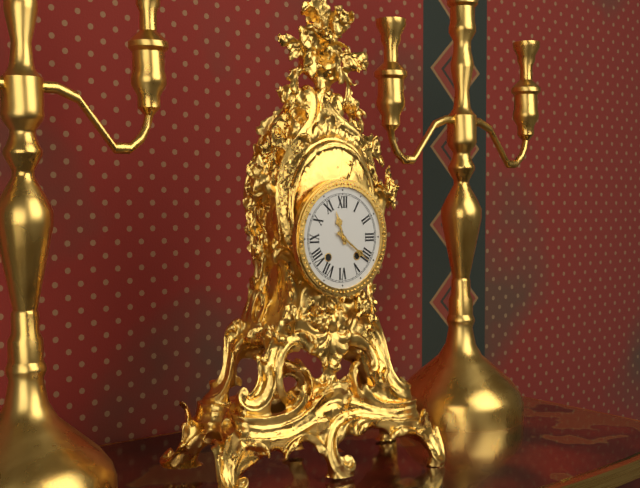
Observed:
11h21
